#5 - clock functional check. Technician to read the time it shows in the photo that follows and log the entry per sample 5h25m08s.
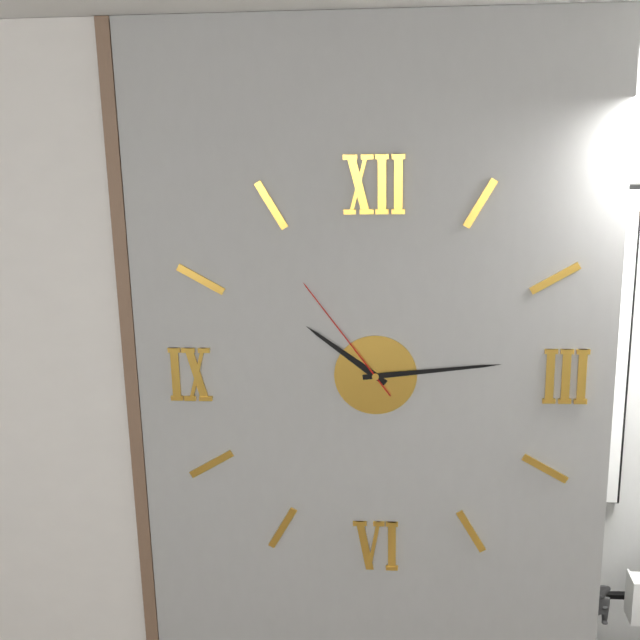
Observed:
10h14m54s
